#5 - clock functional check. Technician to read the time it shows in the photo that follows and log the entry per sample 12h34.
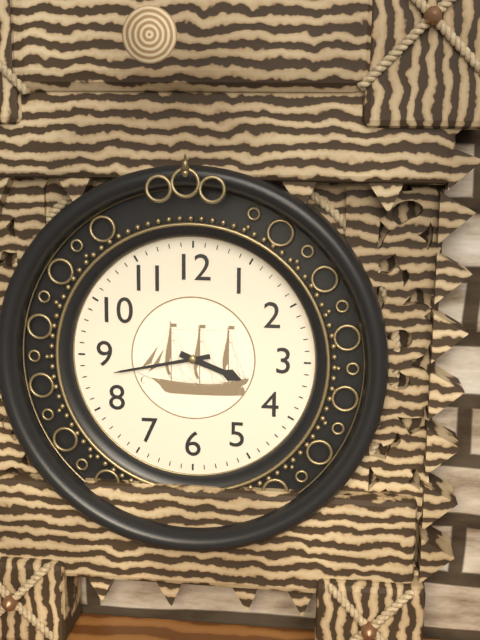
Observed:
3h43
